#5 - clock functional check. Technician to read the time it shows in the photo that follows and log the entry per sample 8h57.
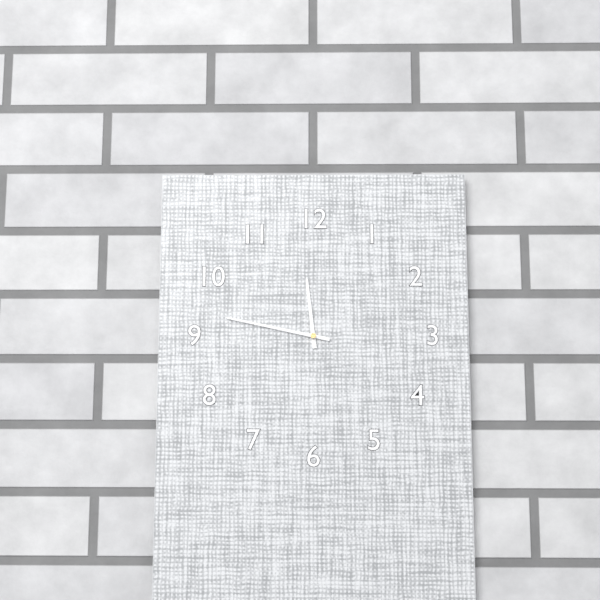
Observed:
11h47
